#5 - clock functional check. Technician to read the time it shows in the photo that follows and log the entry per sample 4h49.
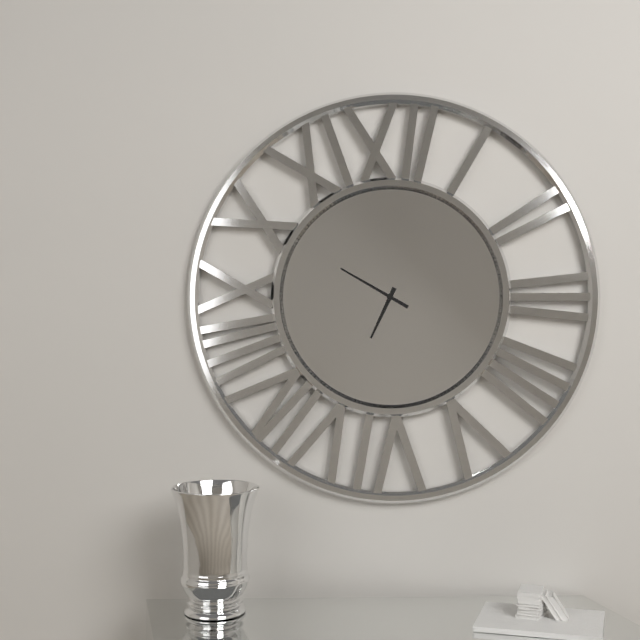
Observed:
6h50
